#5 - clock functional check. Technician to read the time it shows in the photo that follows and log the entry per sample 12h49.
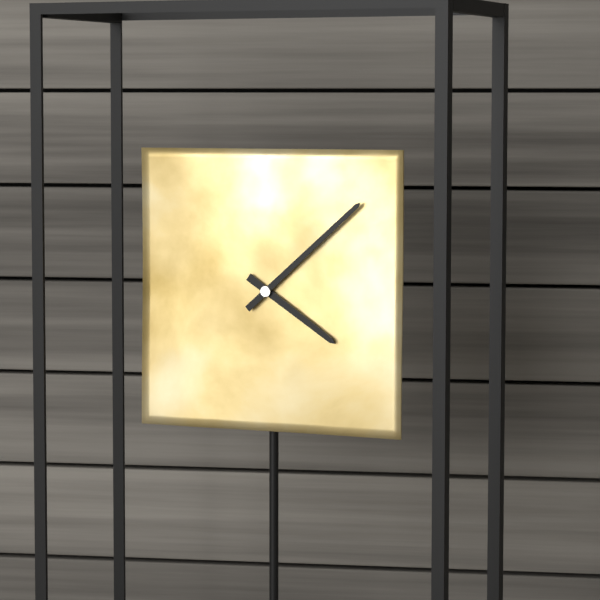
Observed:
4h08
